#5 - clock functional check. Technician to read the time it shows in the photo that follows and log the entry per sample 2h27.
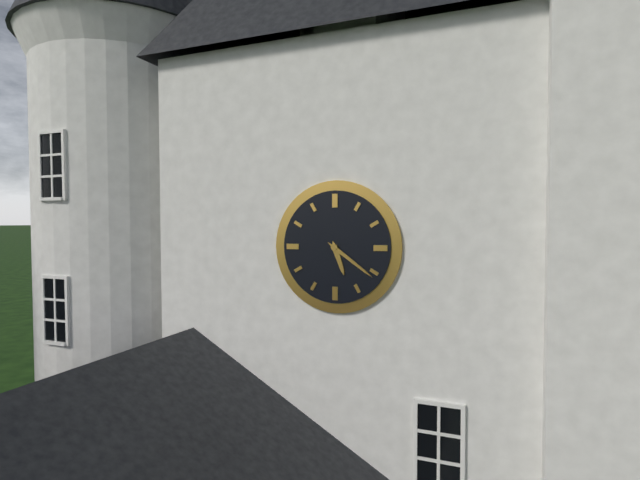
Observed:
5h21
